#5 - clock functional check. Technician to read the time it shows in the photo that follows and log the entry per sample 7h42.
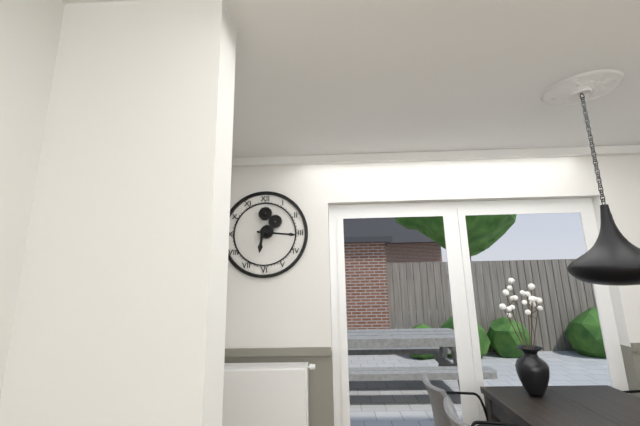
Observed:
6h16
